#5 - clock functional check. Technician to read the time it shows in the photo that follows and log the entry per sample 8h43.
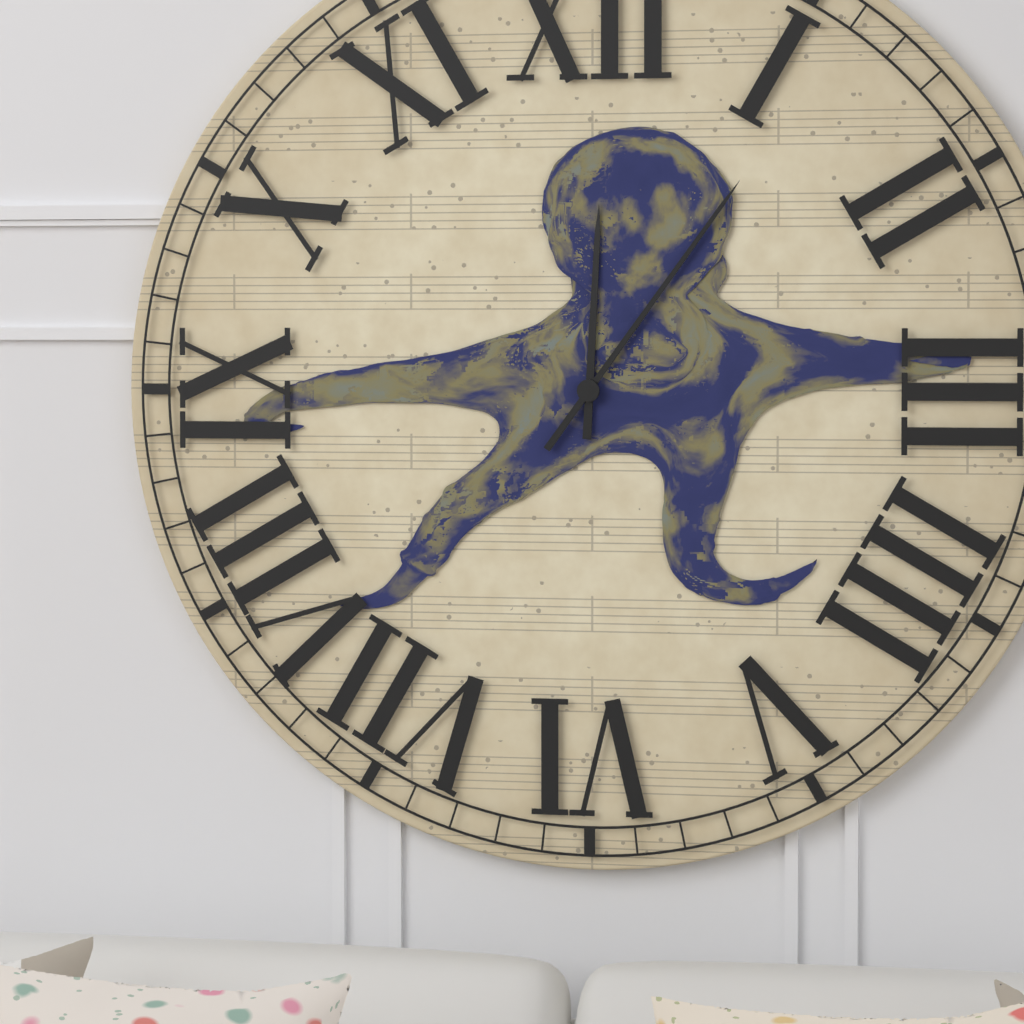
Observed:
12h06
